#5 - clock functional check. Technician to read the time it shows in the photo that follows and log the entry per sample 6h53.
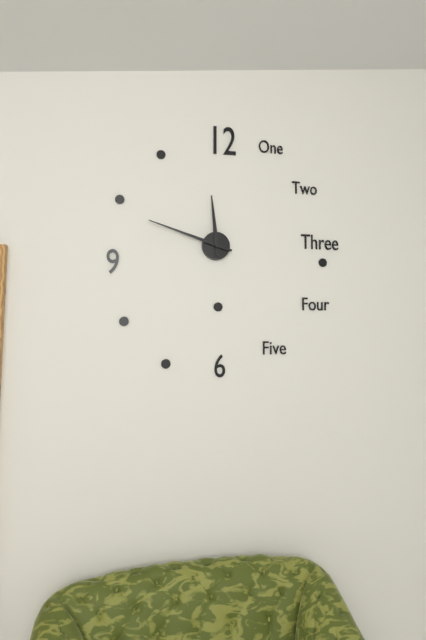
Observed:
11h48
